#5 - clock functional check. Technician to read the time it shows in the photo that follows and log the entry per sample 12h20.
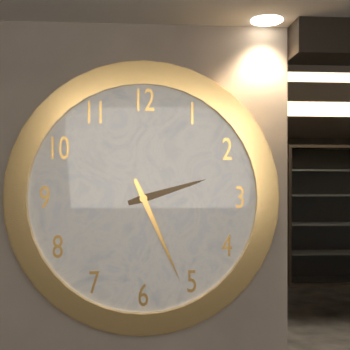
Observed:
2h26
